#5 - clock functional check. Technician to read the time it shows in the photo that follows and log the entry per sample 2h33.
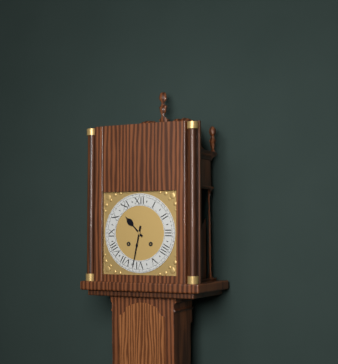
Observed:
10h32
